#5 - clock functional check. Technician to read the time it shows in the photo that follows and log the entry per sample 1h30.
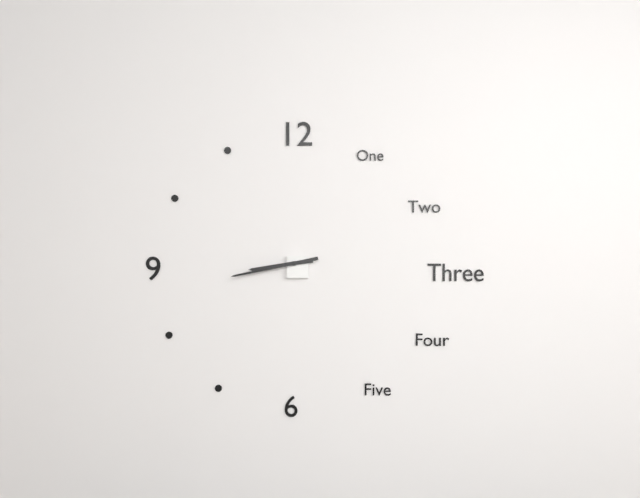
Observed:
8h43
